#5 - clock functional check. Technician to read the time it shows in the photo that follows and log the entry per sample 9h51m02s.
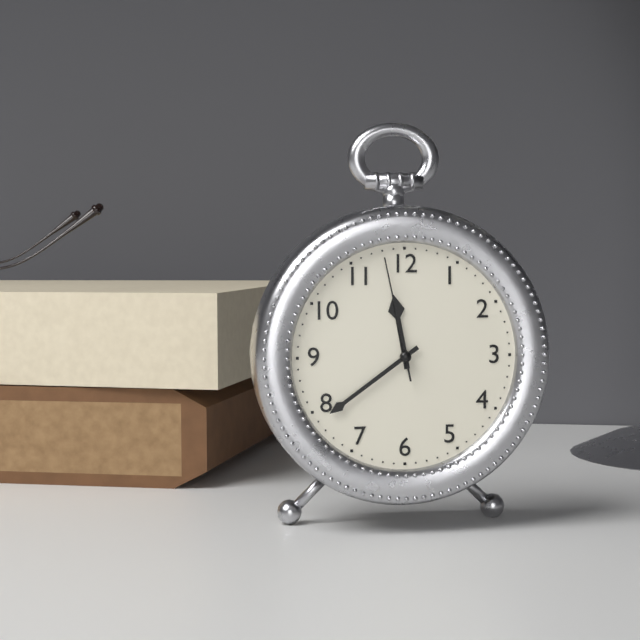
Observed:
11h39m58s
